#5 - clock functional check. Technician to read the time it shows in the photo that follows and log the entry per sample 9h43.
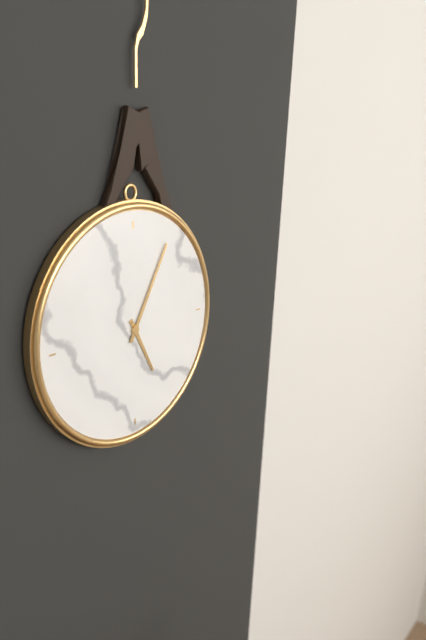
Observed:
5h05
